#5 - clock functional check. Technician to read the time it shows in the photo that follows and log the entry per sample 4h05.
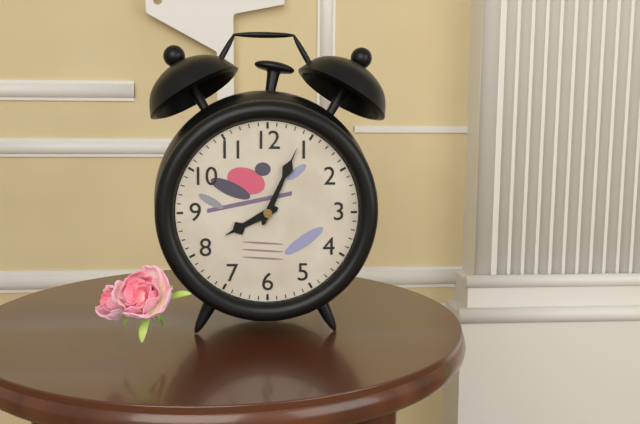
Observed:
8h04
